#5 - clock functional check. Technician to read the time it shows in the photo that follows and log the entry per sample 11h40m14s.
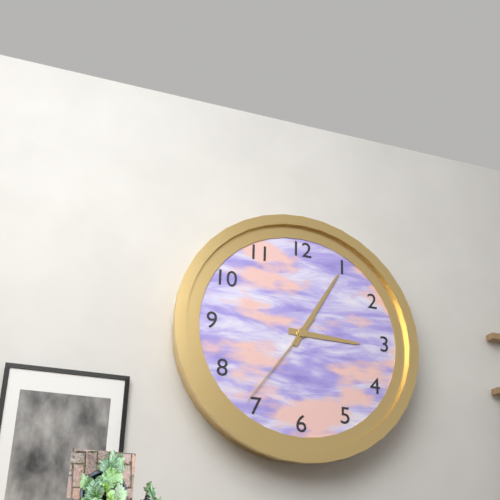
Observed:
3h05m36s
